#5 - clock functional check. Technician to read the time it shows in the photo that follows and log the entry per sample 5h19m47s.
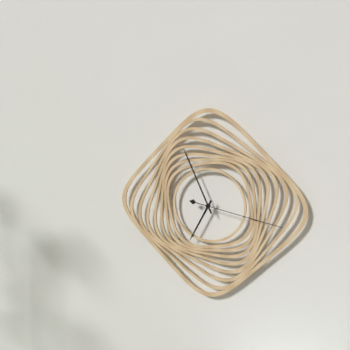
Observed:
6h56m17s
